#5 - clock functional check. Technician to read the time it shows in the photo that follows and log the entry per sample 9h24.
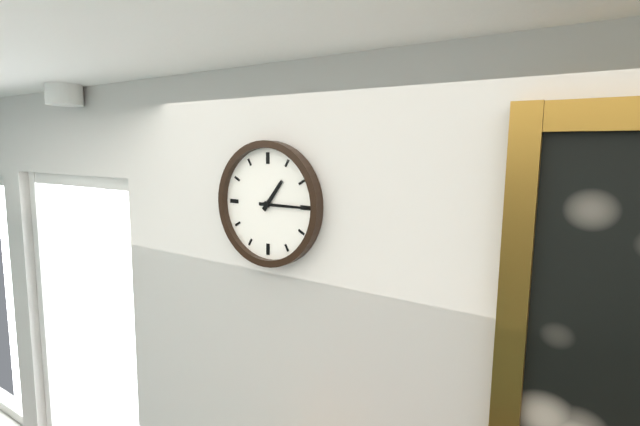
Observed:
1h15
